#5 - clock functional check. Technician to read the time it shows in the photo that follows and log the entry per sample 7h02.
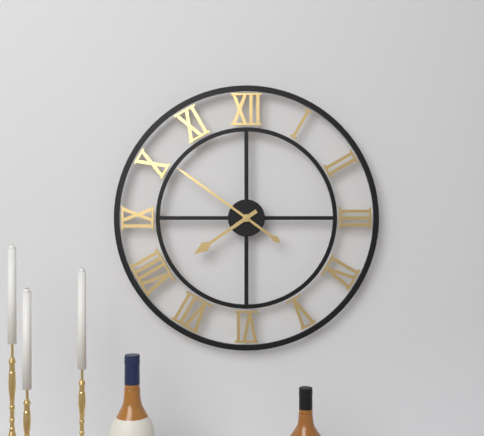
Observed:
7h51
